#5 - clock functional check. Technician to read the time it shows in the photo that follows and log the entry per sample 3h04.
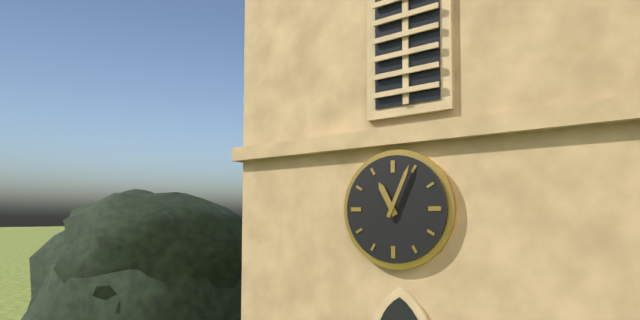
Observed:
11h04
